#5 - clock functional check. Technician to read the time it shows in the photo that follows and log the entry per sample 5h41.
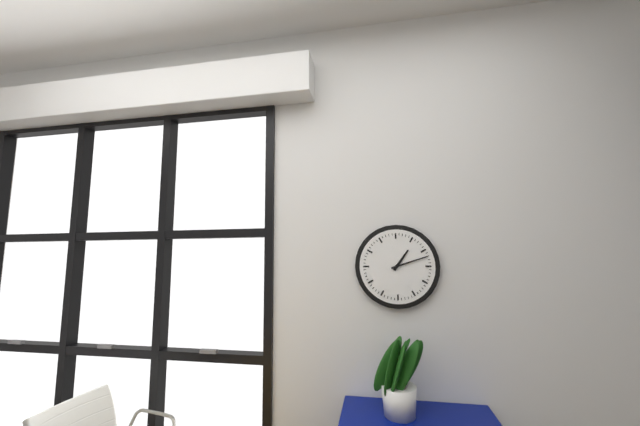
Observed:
1h12
